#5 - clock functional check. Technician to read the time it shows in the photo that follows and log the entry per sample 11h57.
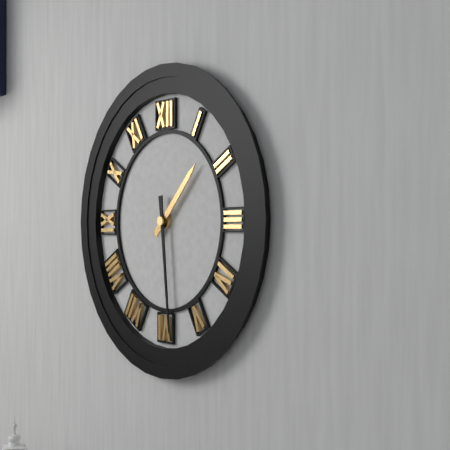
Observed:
1h29
